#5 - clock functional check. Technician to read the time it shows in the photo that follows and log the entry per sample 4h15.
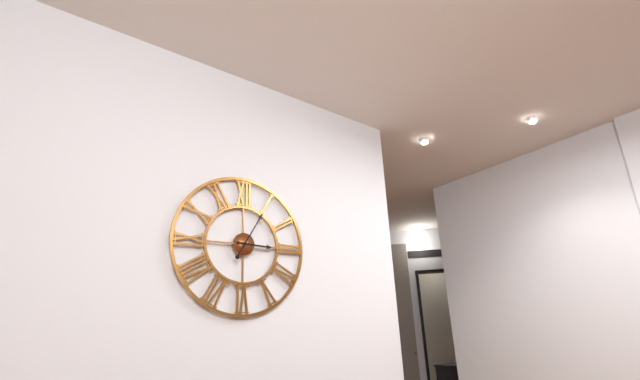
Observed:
3h05
